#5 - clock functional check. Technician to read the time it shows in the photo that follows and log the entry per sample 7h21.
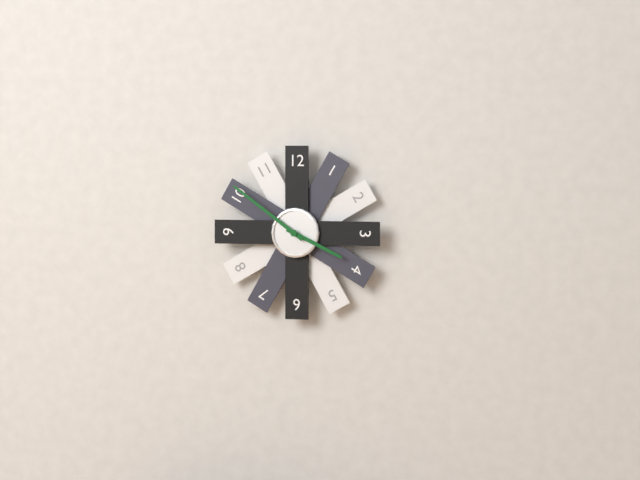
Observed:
3h51
